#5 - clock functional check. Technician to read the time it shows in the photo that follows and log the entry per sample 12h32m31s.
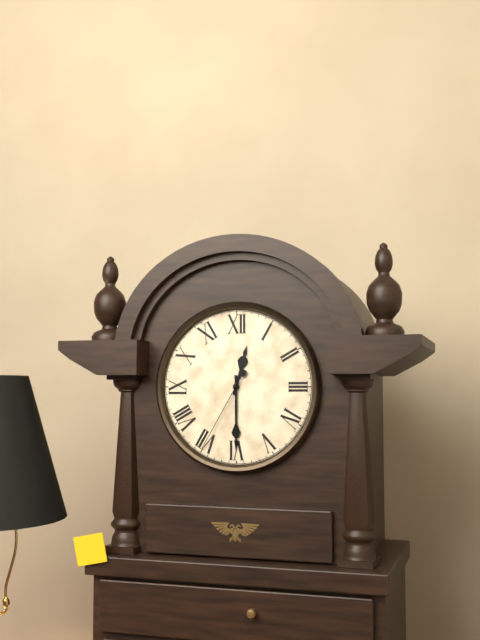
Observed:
12h30m35s
